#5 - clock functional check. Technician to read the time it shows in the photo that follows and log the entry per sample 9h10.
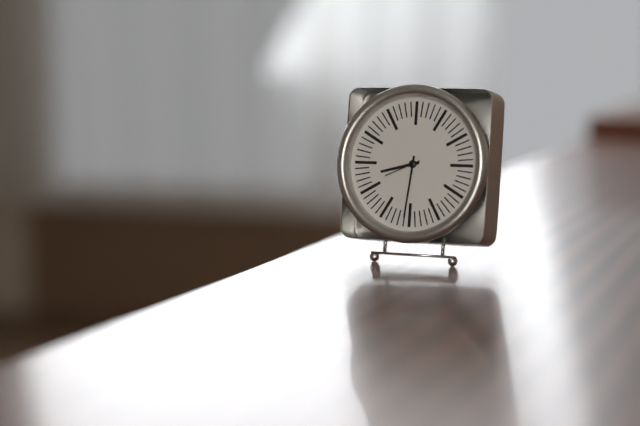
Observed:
8h31
